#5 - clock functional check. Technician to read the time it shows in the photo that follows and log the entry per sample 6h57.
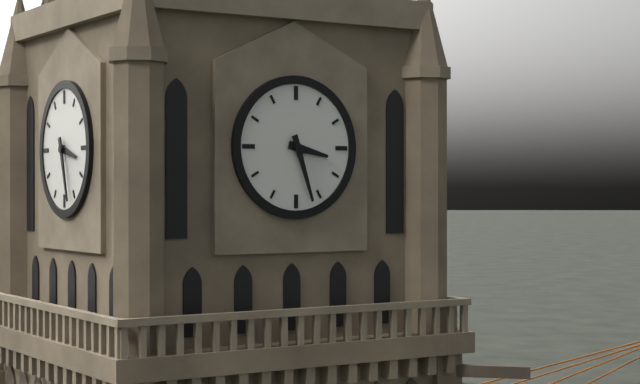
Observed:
3h27
